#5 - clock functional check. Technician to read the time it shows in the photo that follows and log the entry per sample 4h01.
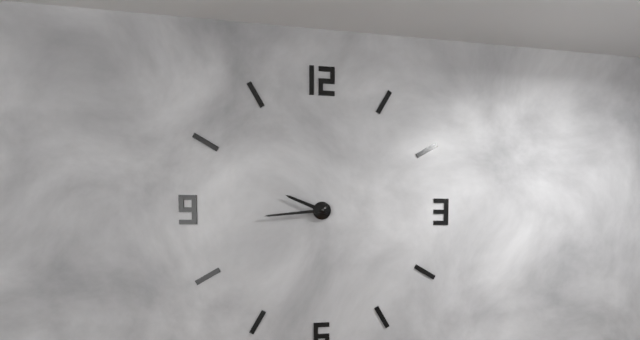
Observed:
9h44
